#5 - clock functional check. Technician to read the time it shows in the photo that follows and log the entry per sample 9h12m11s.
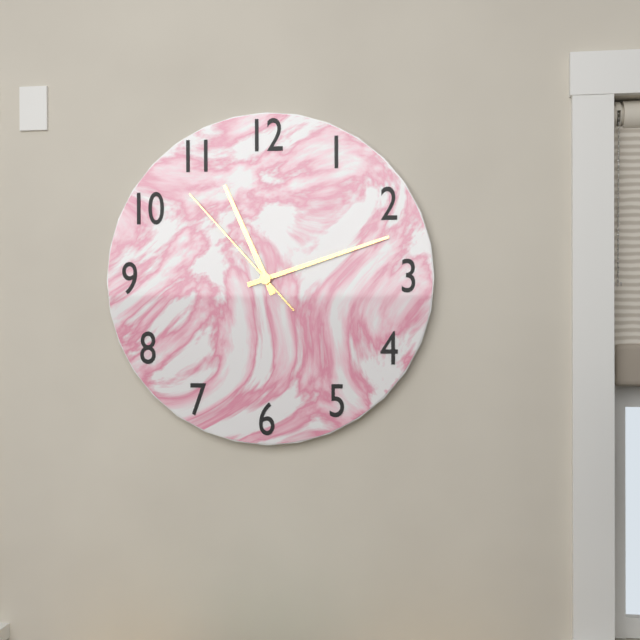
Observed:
11h12m53s
